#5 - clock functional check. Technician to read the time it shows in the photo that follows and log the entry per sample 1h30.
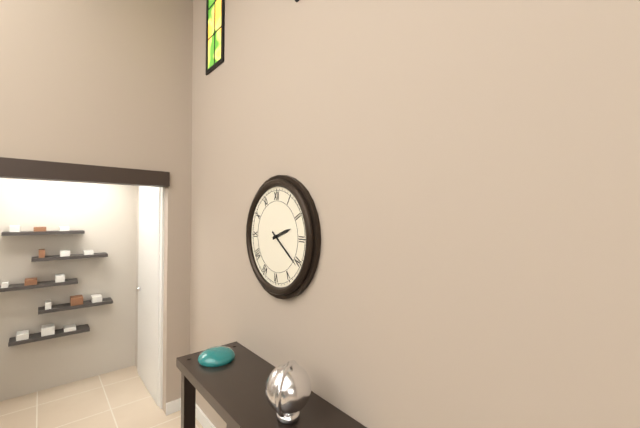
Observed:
2h21
